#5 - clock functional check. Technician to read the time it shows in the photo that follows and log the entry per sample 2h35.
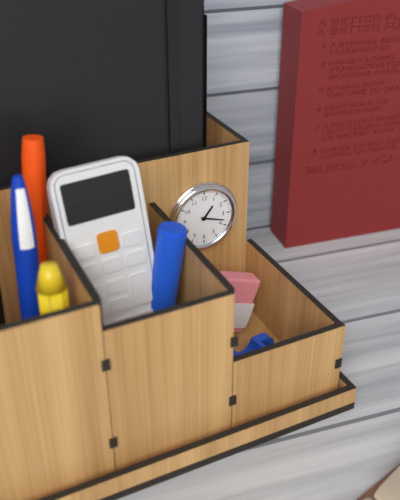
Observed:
1h18
